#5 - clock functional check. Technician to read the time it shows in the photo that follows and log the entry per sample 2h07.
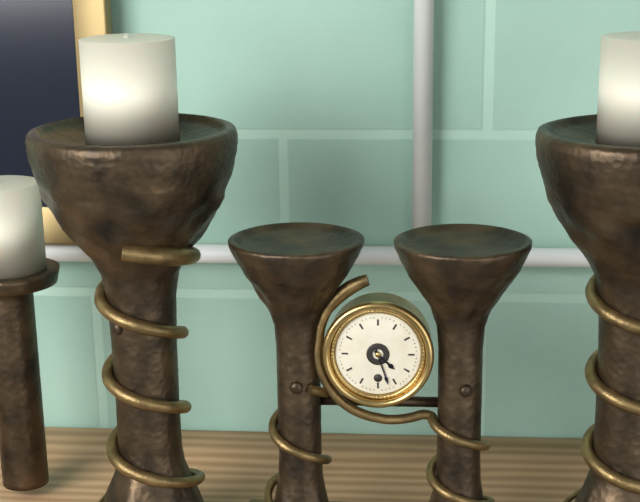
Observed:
4h27
